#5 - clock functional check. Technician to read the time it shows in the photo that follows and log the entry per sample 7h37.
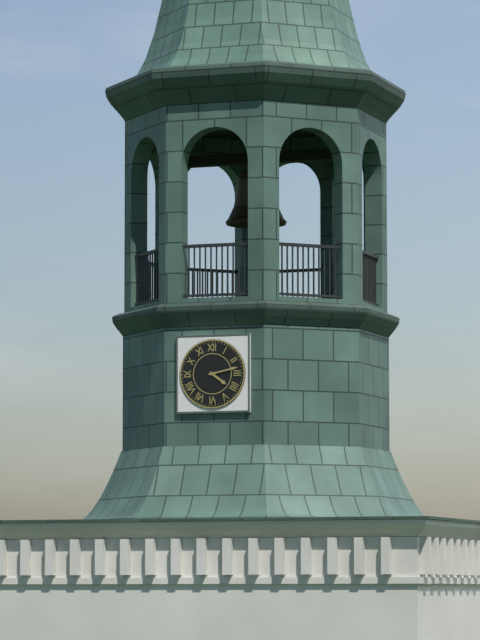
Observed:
4h13
